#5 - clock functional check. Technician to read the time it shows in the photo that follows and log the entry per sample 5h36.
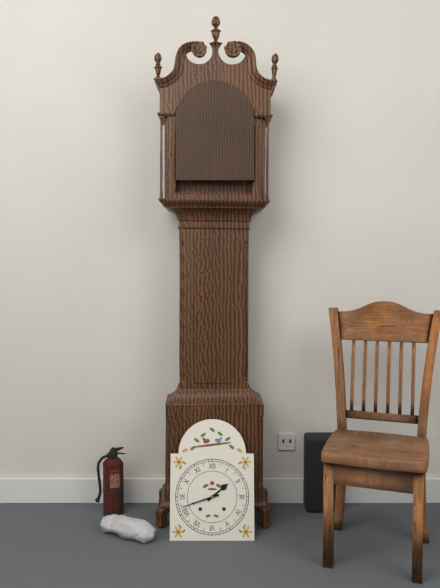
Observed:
1h42
